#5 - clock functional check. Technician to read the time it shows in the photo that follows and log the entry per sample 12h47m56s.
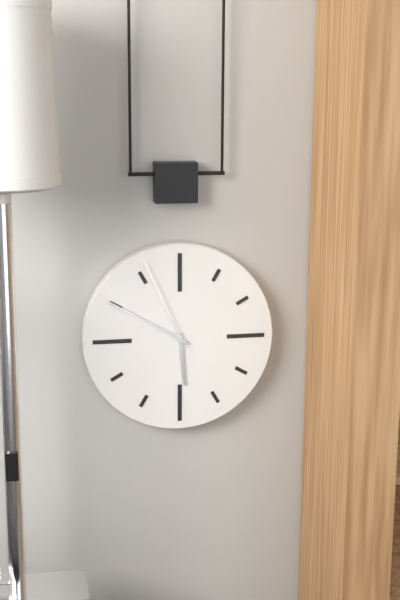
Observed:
5h50m56s
